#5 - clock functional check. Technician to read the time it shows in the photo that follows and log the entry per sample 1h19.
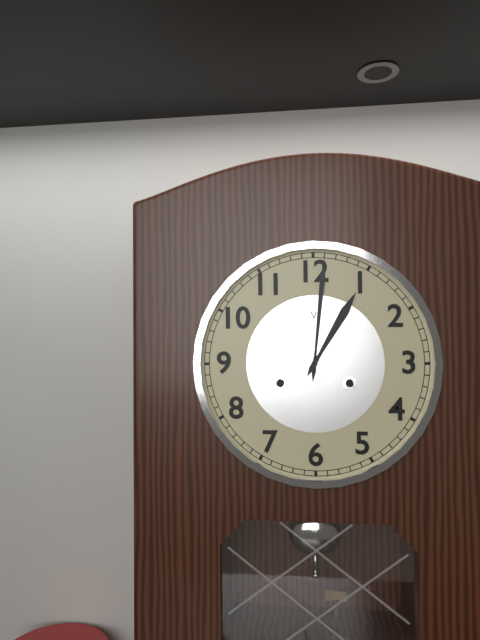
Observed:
1h01
